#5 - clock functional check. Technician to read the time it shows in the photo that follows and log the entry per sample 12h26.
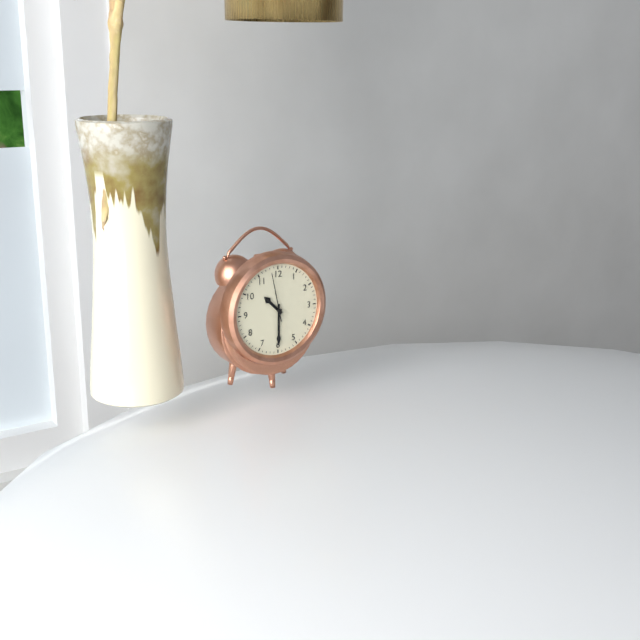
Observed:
10h30
